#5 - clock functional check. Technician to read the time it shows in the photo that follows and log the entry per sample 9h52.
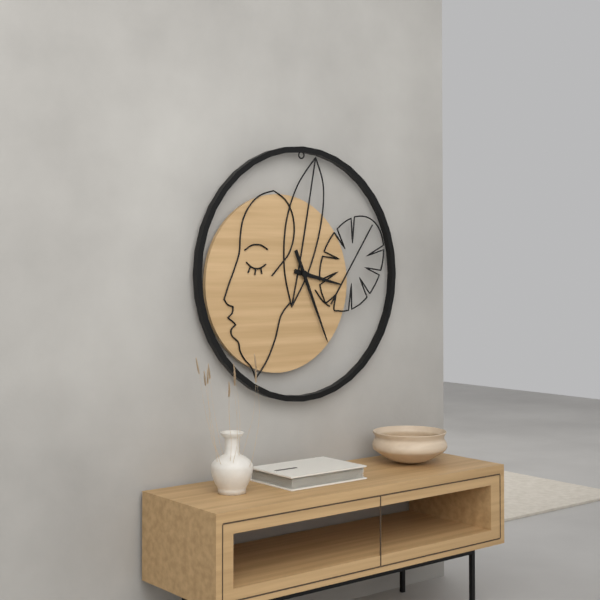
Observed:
3h26
